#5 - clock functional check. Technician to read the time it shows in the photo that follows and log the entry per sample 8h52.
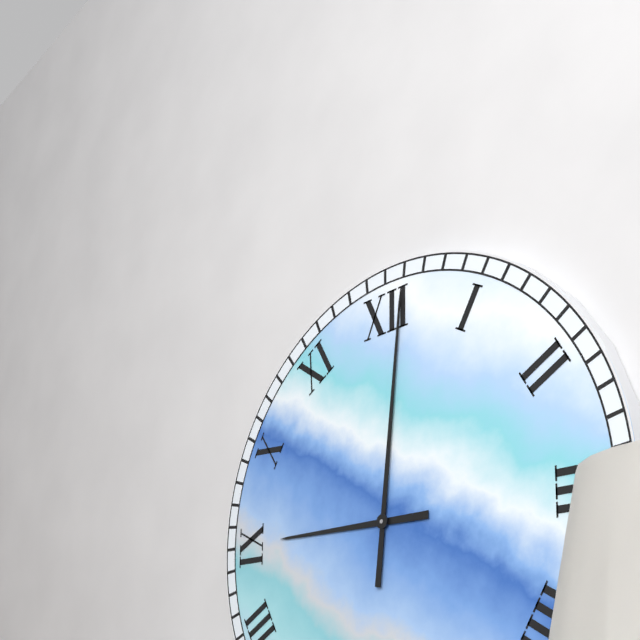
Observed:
9h01
